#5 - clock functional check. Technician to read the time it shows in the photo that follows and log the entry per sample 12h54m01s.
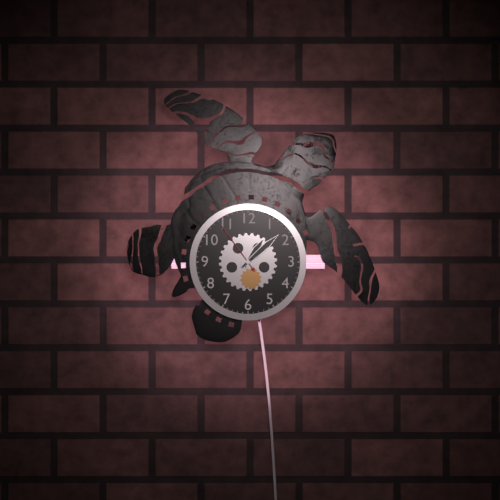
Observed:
1h08m54s
